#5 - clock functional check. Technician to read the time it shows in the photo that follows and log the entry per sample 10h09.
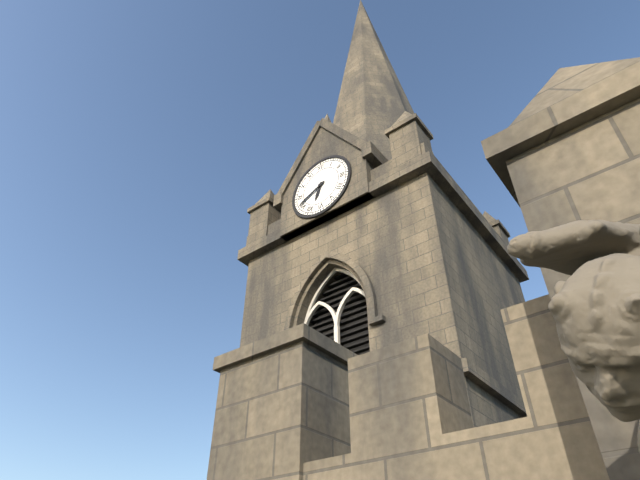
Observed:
6h41
